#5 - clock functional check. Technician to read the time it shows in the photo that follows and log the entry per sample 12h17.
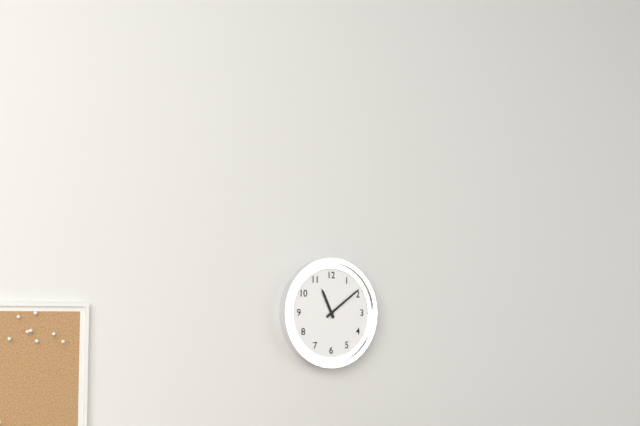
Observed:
11h09
